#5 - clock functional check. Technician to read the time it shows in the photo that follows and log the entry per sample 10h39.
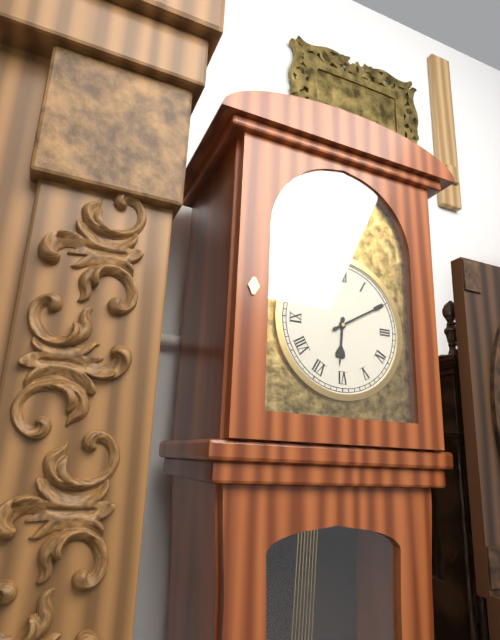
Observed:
6h10
